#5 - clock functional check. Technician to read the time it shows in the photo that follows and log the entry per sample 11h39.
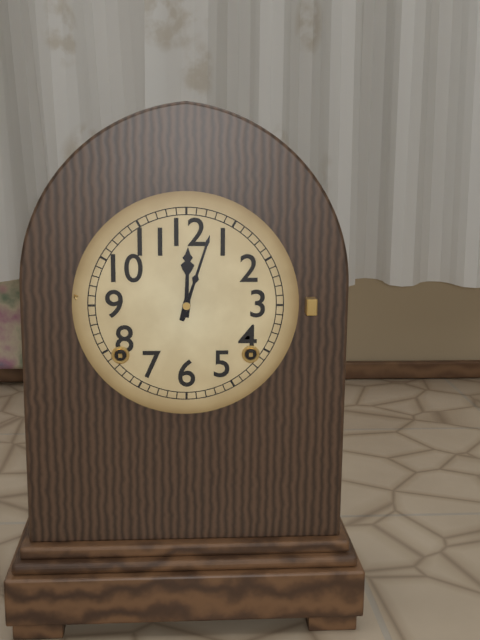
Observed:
12h03
